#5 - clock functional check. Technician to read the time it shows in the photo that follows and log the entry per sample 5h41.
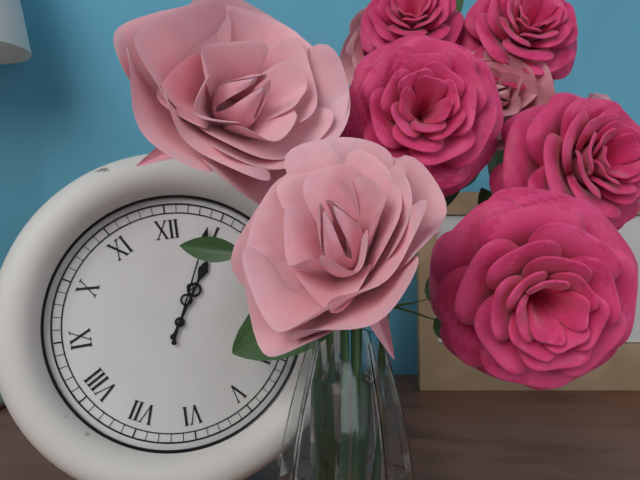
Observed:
1h04
